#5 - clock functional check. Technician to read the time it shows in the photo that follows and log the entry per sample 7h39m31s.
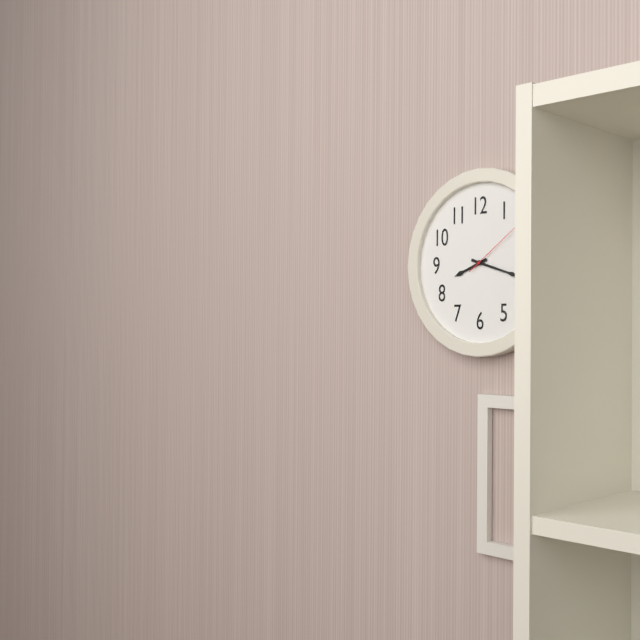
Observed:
8h18m09s
